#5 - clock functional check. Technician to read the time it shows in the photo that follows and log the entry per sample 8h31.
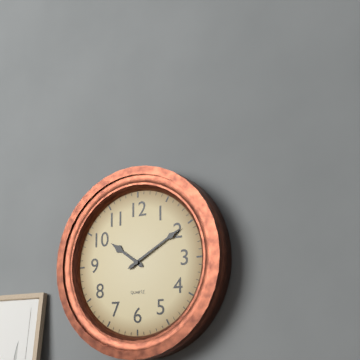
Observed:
10h10
